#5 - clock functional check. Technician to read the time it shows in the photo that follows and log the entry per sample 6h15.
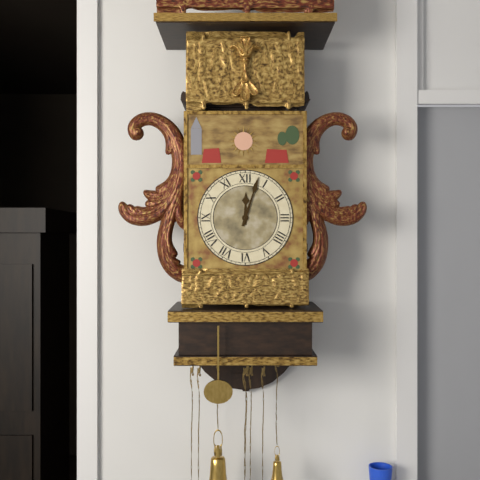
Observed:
12h03
